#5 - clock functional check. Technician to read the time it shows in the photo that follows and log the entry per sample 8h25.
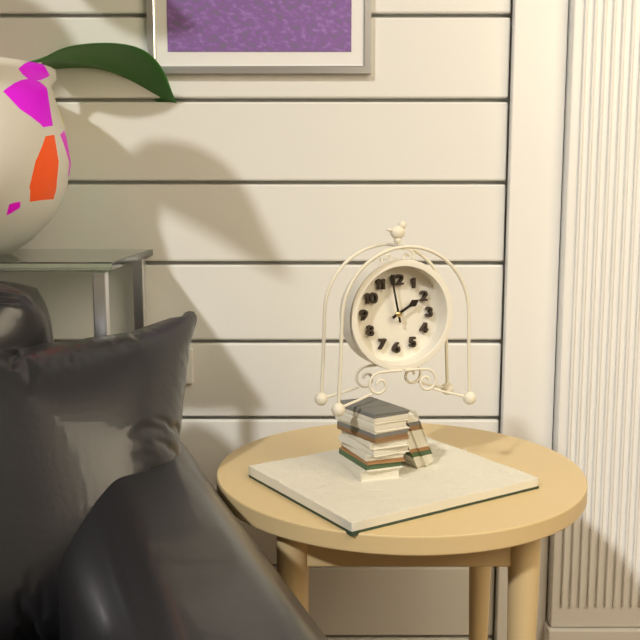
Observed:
1h58
